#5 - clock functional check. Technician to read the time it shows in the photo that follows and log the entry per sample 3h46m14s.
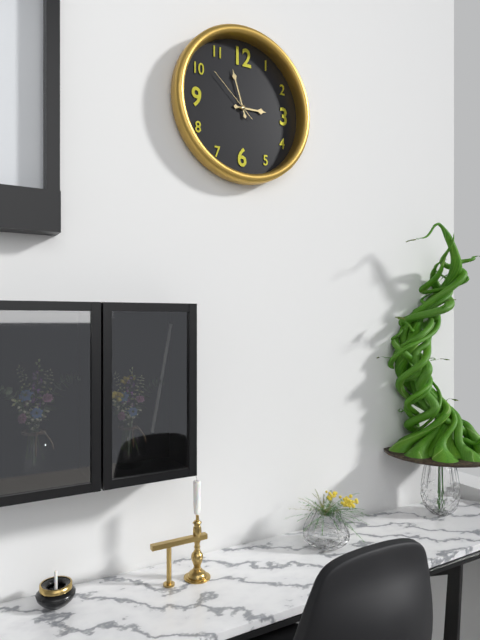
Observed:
2h57m52s
